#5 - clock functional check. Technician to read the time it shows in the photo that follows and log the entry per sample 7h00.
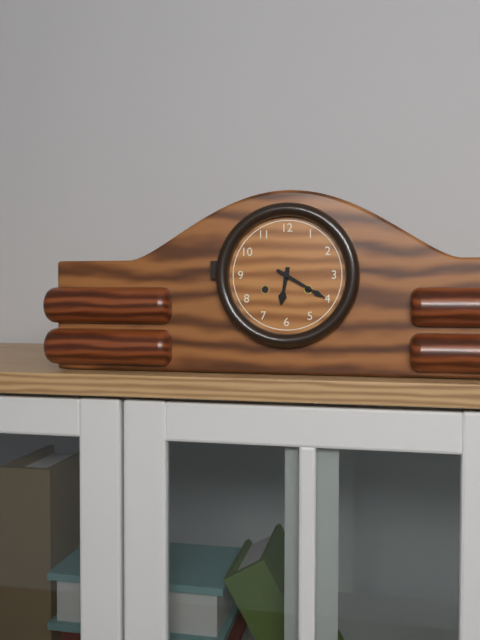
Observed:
6h20
